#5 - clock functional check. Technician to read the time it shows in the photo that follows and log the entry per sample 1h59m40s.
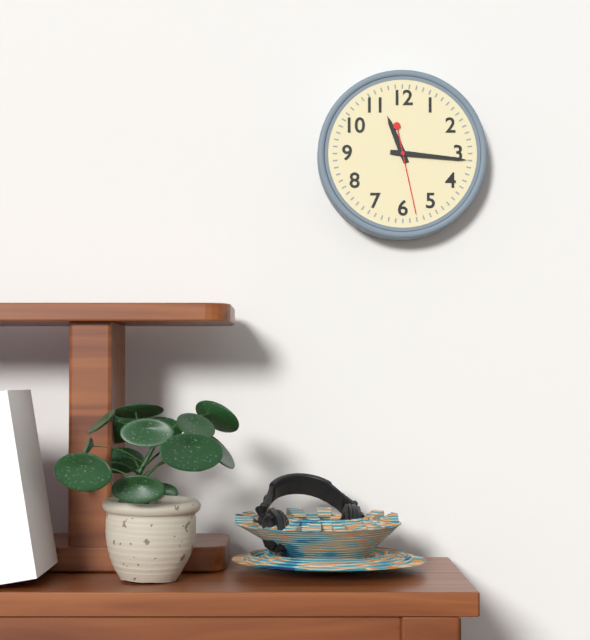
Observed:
11h16m28s
